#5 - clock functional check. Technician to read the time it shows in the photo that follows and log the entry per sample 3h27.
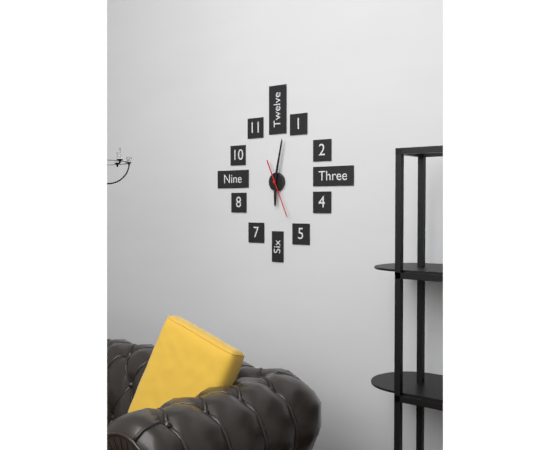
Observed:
6h02
